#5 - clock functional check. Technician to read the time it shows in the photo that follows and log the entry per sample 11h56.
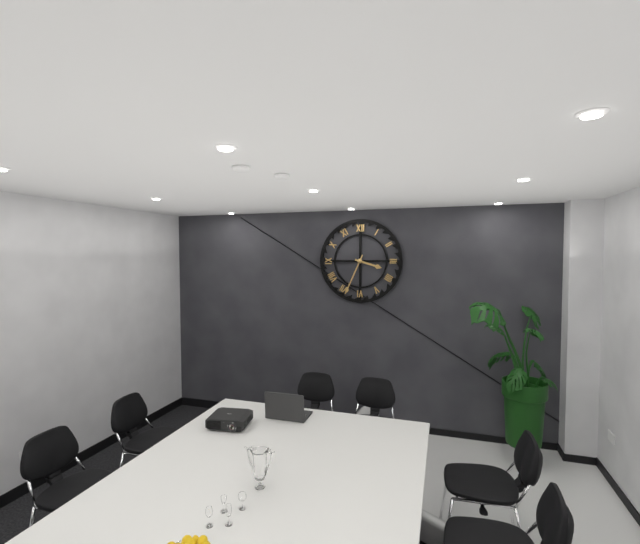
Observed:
3h34
